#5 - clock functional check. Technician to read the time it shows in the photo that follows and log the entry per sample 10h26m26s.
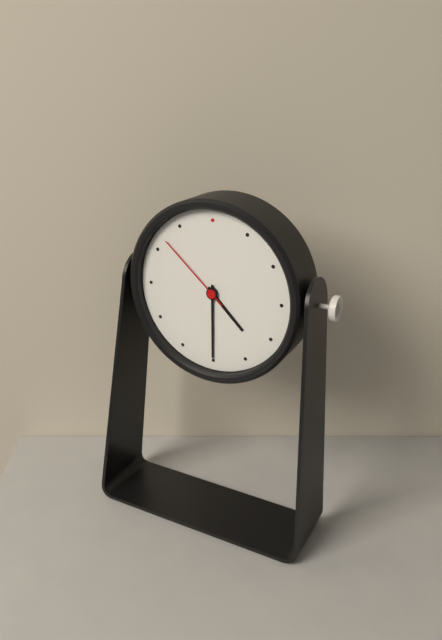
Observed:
4h30m52s
